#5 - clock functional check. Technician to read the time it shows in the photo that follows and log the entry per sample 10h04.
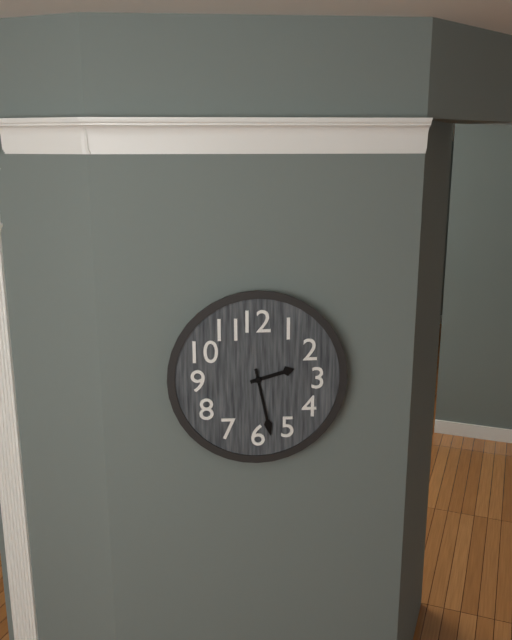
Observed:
2h28
